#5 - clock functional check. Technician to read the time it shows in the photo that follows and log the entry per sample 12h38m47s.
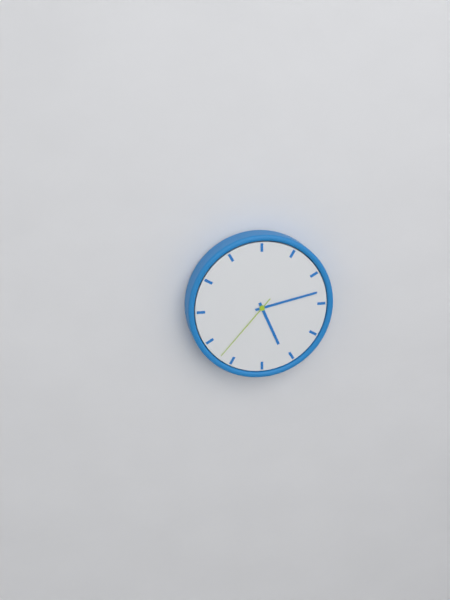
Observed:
5h13m37s
